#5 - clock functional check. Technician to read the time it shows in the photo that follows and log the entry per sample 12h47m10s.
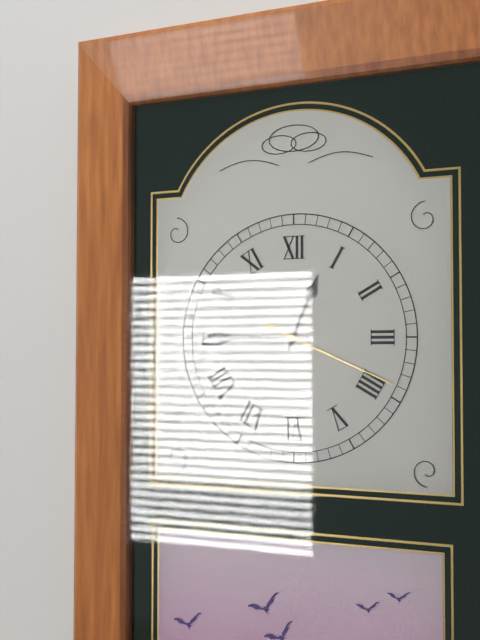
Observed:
12h45m19s
